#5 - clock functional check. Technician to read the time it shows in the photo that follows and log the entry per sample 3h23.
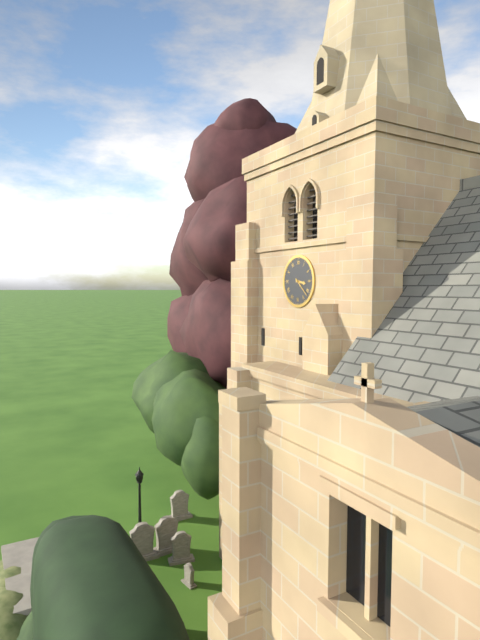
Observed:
3h22
